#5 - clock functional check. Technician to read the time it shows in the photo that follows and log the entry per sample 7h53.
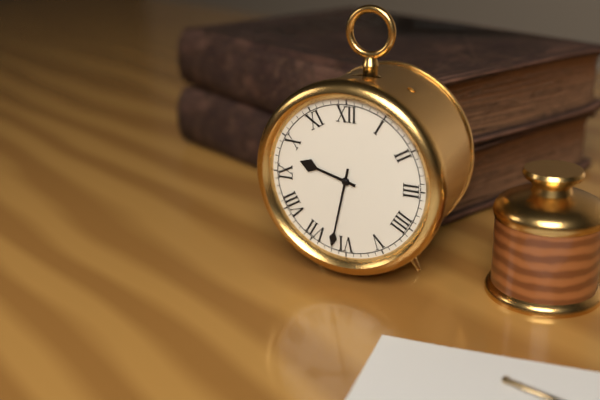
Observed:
9h32
